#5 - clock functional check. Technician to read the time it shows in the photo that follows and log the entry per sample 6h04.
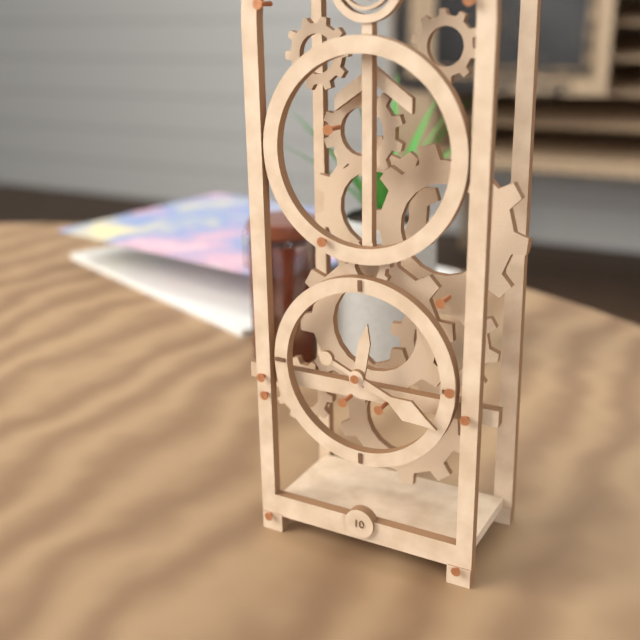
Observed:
12h19
